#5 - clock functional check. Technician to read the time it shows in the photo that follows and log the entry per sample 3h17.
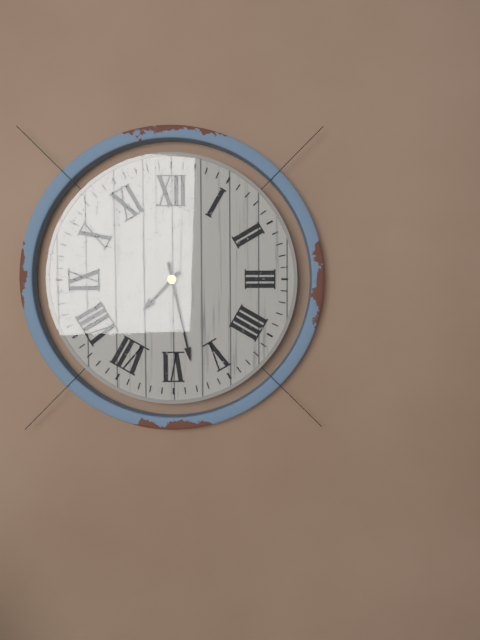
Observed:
7h28
